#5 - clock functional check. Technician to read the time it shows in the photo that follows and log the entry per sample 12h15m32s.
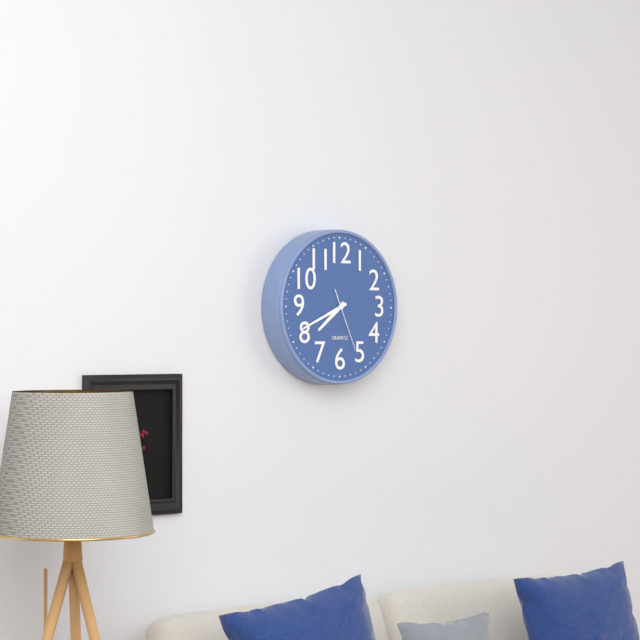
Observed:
7h41m26s
